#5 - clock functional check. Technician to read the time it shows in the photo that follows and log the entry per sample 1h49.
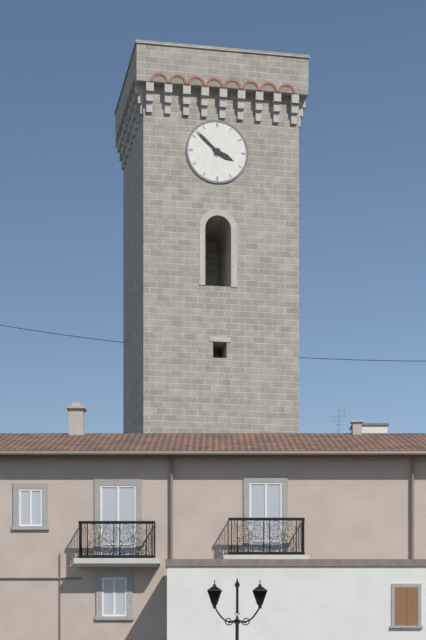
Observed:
3h52
